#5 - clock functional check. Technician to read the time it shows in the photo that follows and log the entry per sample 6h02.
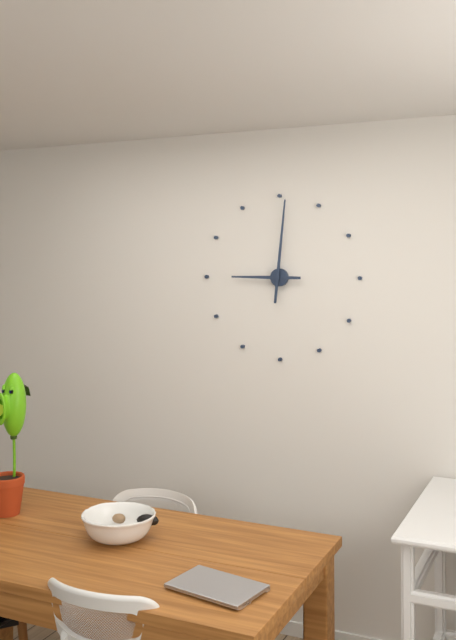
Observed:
9h01
